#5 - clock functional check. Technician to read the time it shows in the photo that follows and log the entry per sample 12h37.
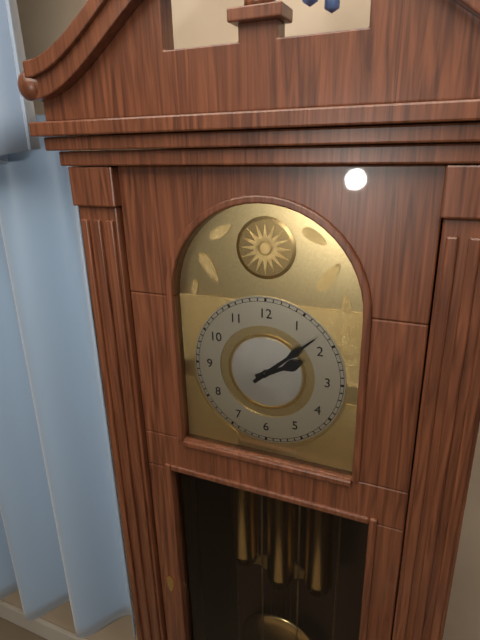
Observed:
2h08
